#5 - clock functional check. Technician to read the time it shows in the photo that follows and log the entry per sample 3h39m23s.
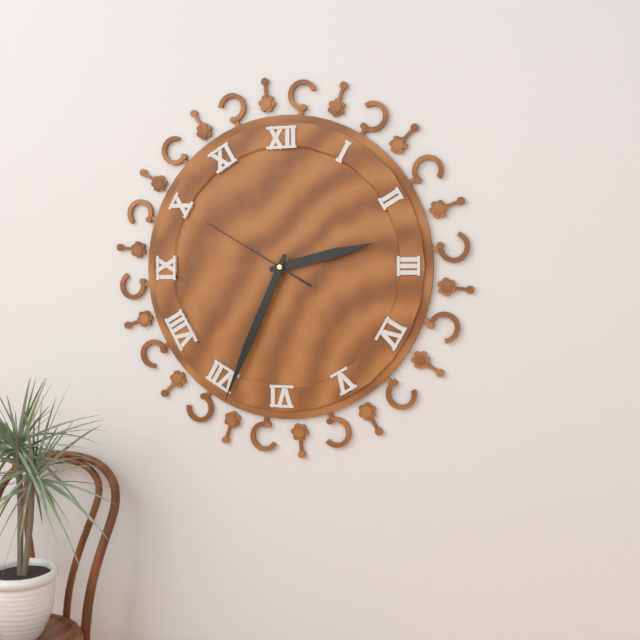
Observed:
2h34m50s
